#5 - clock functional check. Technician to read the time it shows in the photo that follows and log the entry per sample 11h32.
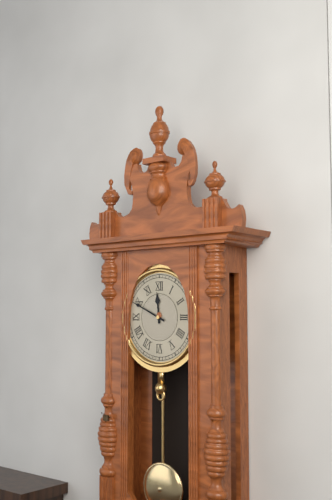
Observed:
11h49
